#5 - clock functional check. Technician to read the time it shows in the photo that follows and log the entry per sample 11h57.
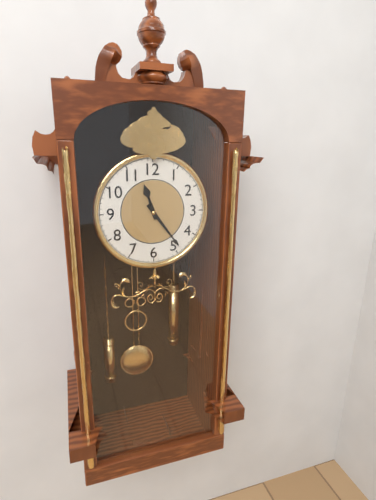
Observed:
11h24
